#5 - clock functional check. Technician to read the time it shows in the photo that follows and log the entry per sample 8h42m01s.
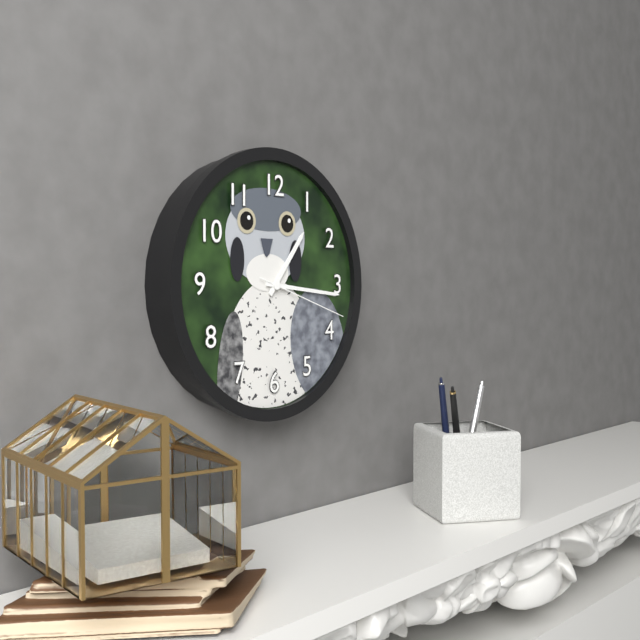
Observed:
1h16m18s
